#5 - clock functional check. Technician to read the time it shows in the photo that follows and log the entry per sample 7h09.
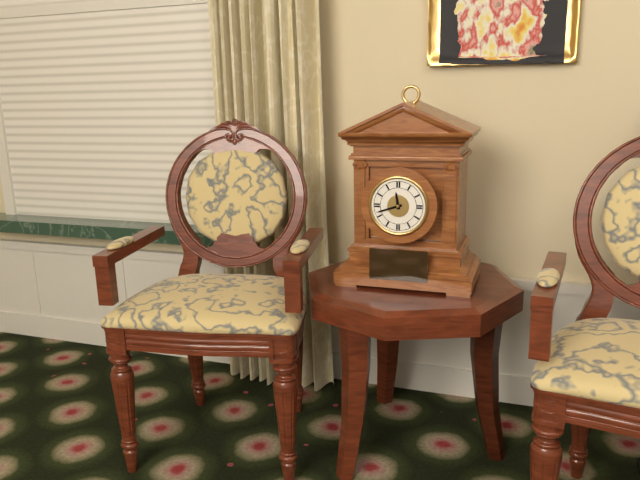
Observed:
11h42
